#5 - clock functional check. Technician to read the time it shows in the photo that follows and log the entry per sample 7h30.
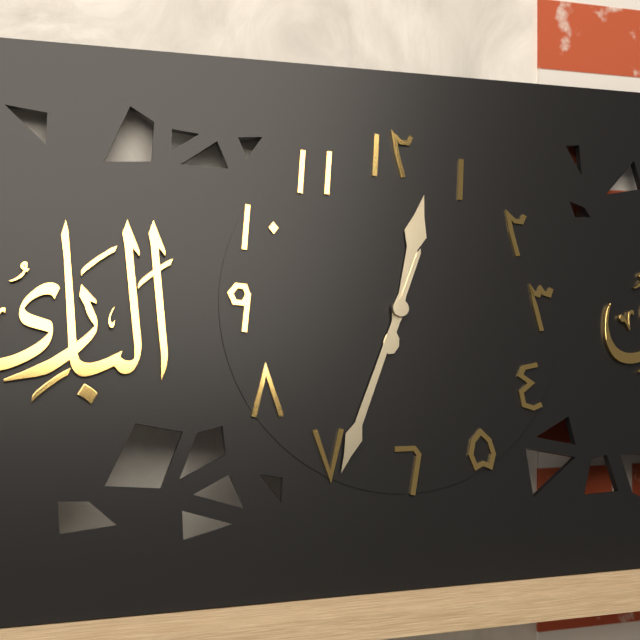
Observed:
12h34
